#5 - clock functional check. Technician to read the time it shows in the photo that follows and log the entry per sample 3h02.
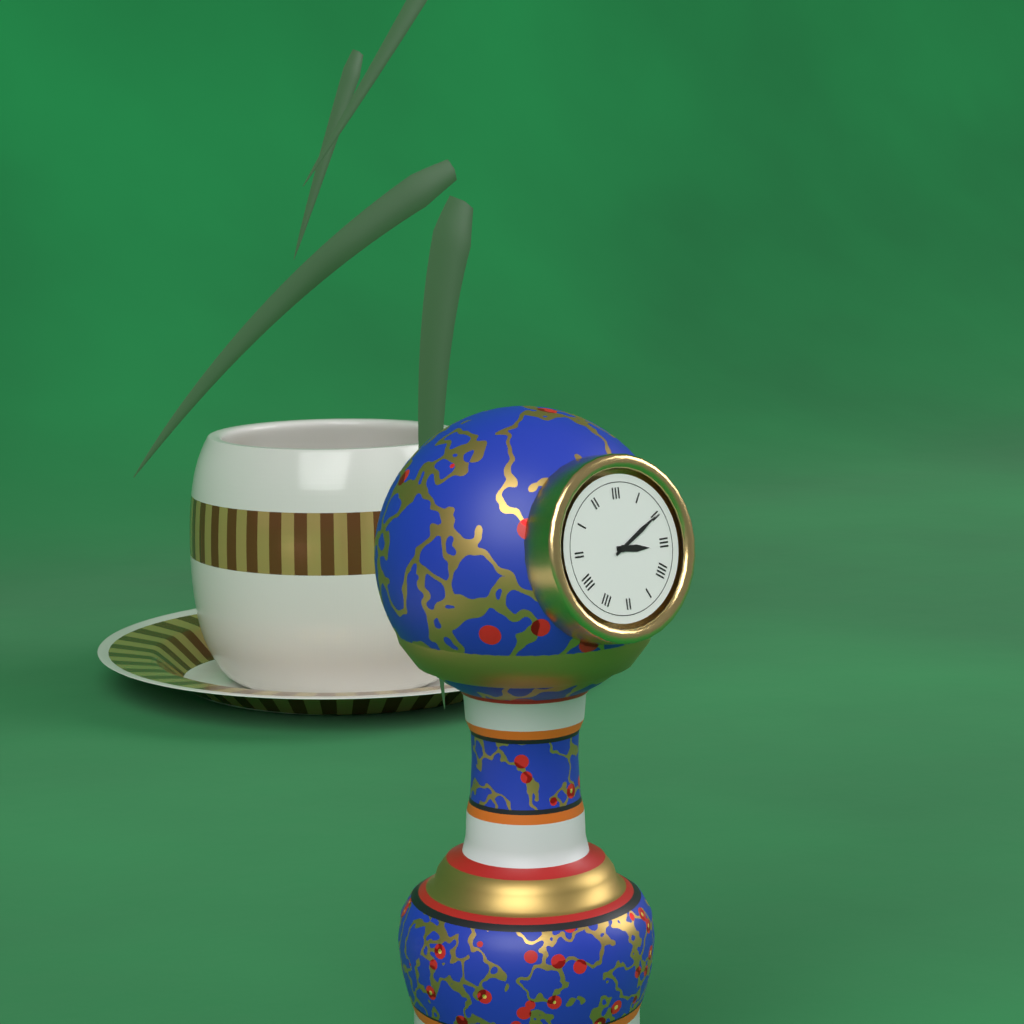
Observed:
3h10
